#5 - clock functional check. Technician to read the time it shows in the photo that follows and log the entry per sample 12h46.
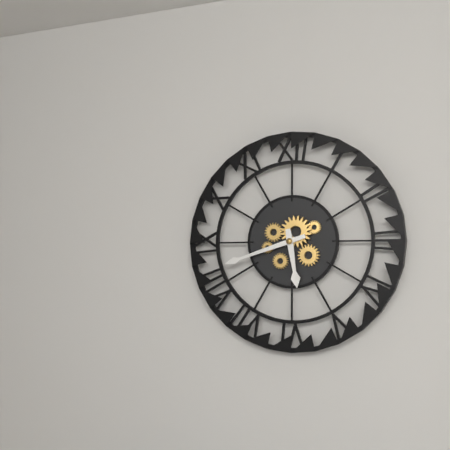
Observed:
5h42
